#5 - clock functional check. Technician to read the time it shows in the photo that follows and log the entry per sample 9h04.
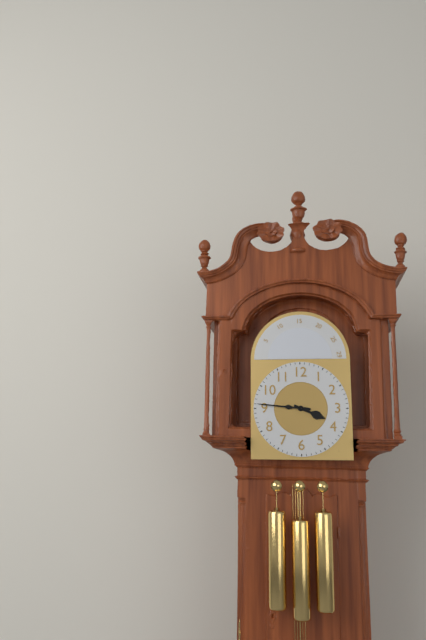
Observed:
3h46
